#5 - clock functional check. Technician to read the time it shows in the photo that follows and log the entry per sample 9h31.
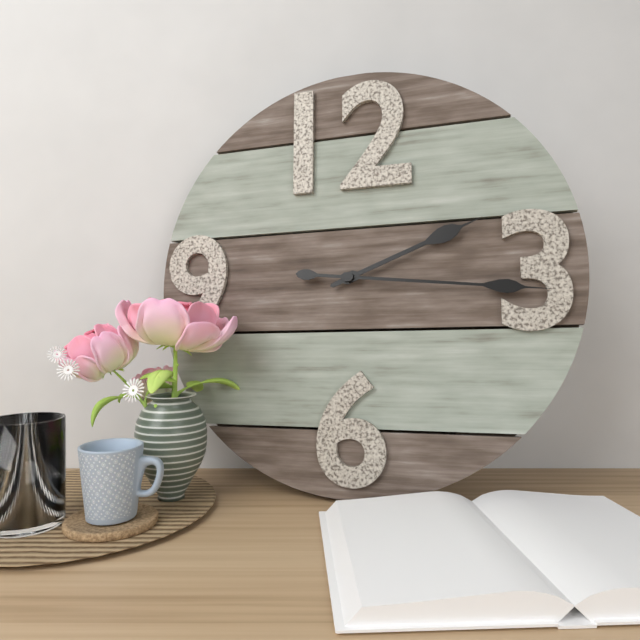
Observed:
2h16
